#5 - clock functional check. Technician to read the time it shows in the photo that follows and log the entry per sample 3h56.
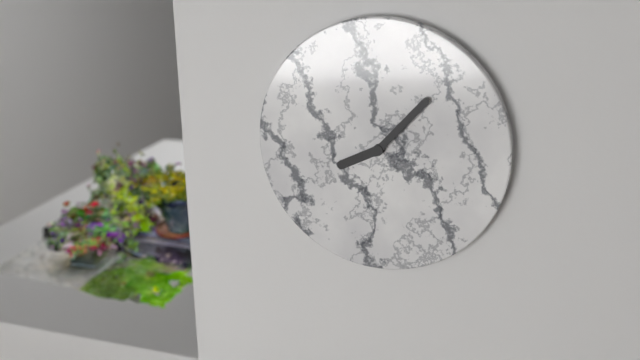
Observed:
8h07
